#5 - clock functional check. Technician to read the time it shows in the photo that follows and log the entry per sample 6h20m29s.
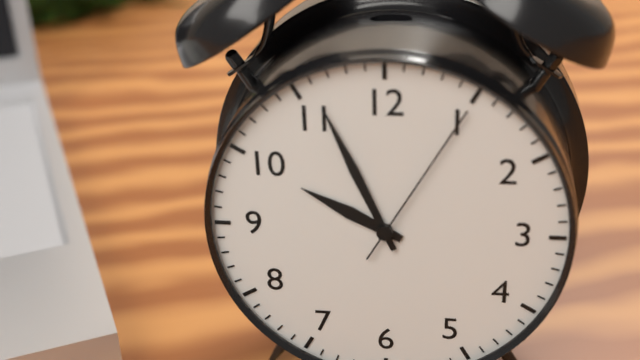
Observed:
9h56m05s
